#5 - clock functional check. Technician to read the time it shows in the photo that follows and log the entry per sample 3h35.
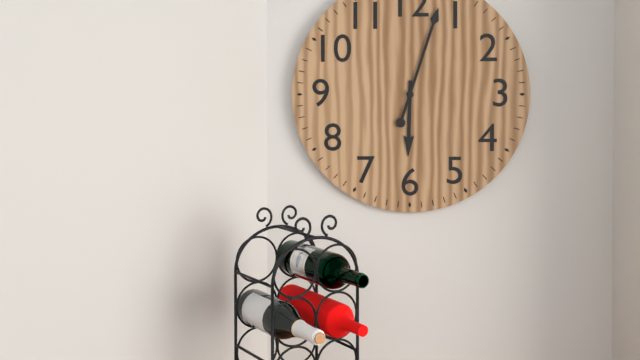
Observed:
6h03
